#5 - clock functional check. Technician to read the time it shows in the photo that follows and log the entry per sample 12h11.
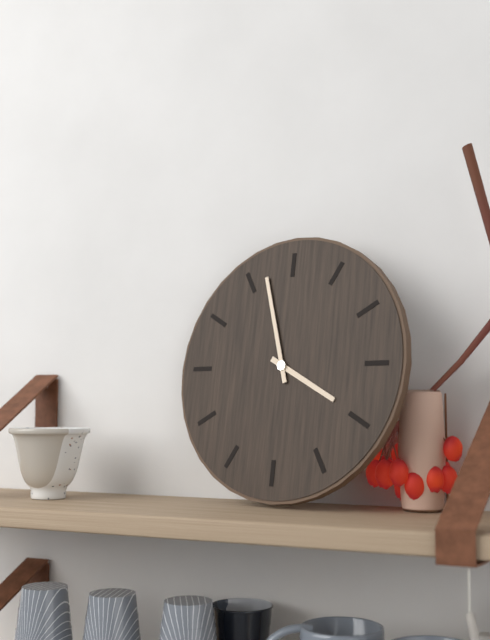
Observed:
3h57
